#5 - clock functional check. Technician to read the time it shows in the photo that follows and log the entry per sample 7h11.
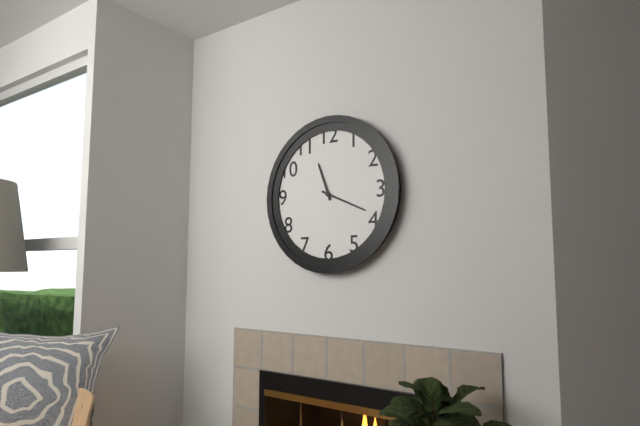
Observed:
11h19
